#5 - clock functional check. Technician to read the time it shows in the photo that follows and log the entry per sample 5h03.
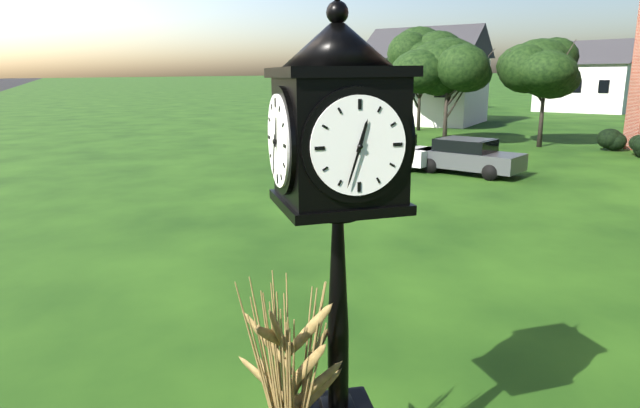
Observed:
12h33
